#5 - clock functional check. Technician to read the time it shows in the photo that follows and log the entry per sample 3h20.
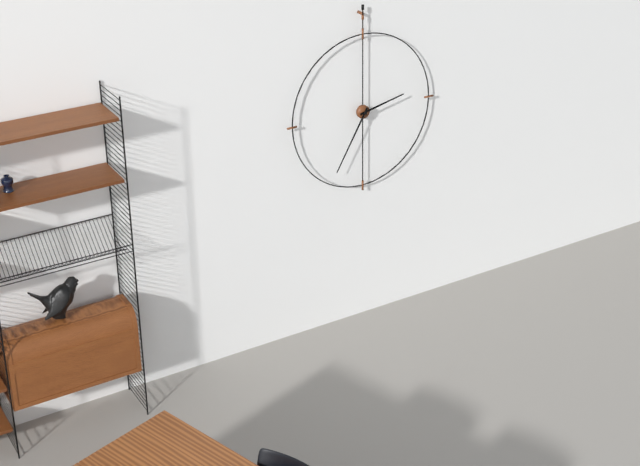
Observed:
2h35
